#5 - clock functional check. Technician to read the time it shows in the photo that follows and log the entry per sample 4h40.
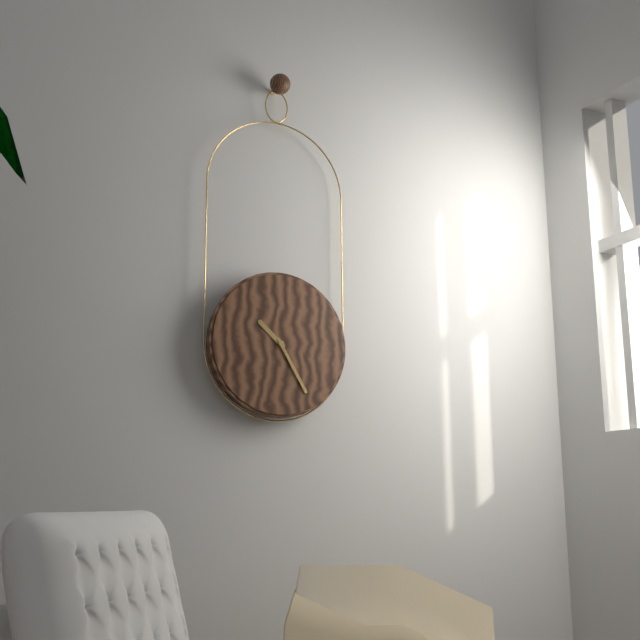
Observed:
10h25
